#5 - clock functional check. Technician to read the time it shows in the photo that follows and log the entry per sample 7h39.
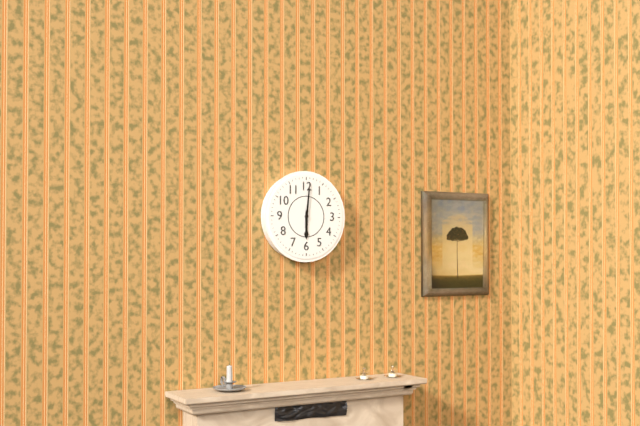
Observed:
6h01
